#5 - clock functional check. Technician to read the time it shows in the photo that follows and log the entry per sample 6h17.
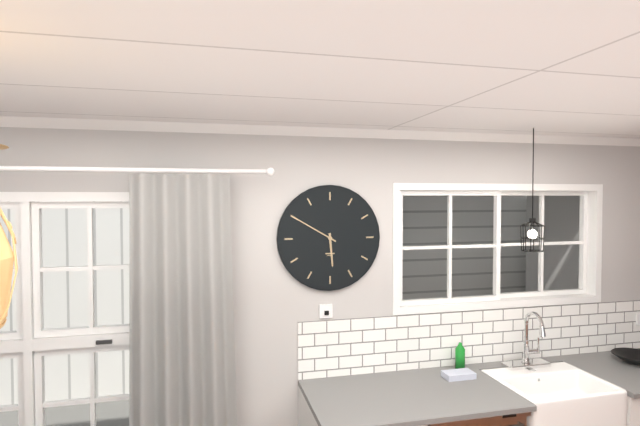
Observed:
5h50
